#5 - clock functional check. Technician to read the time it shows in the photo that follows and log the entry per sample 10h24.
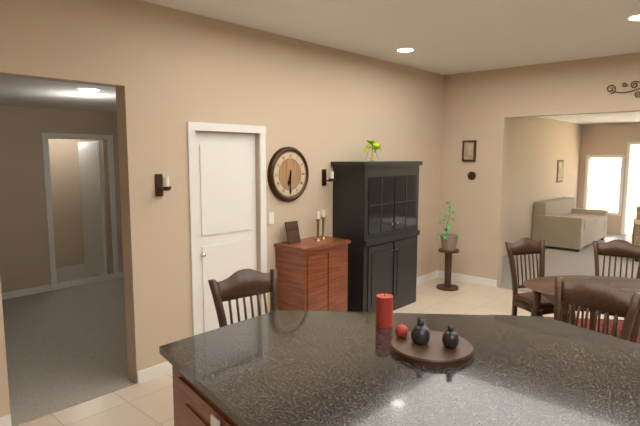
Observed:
6h30
